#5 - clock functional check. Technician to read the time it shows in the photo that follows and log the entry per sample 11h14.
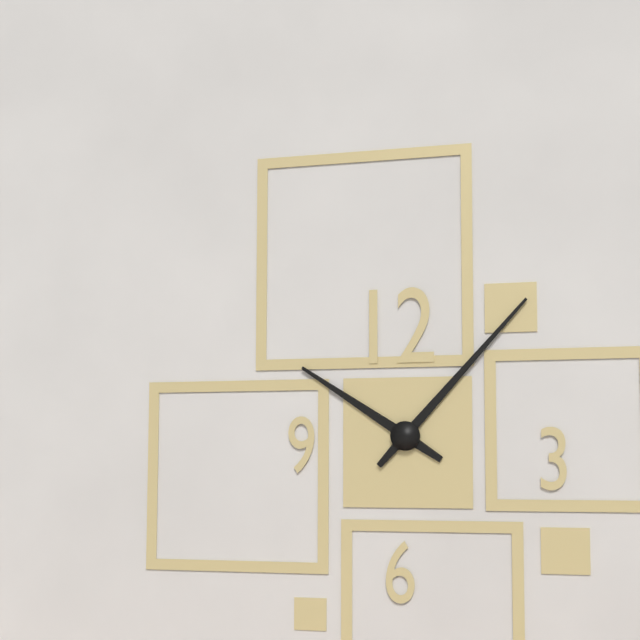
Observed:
10h07
